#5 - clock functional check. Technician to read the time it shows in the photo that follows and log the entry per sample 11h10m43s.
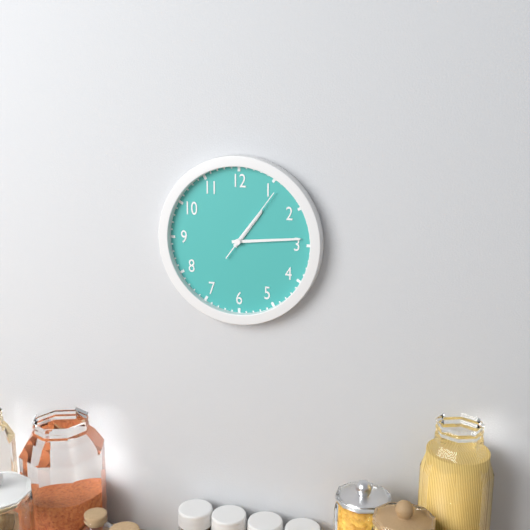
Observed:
1h14m06s
